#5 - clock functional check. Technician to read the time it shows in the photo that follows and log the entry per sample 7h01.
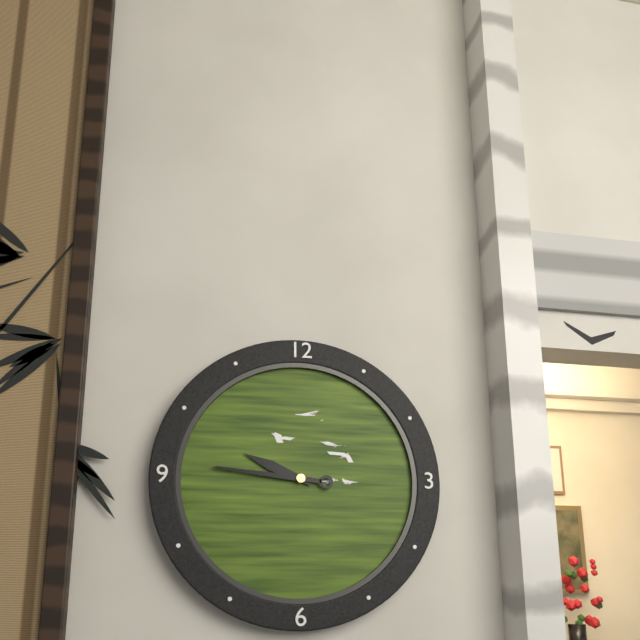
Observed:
9h46
